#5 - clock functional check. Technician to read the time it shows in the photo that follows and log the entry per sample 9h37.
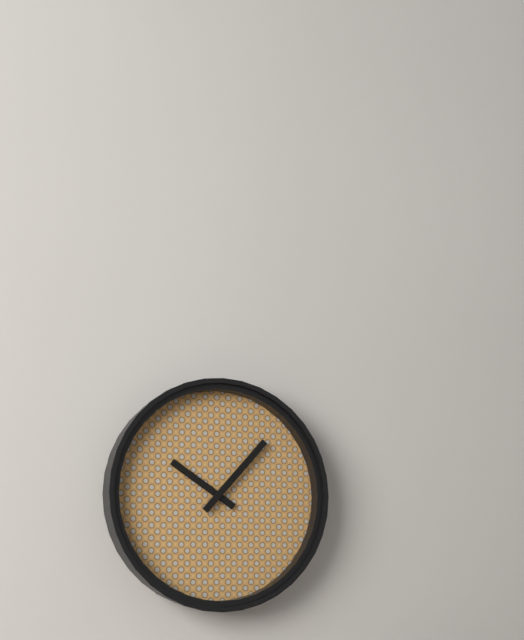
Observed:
10h07
